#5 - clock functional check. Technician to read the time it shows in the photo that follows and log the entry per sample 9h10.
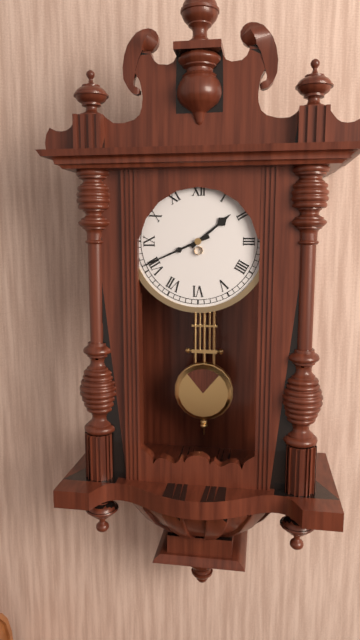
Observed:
1h41
